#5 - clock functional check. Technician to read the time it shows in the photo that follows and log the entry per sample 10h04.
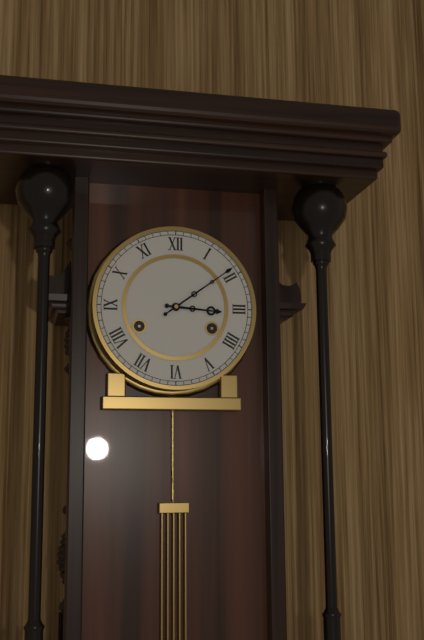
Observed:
3h09
